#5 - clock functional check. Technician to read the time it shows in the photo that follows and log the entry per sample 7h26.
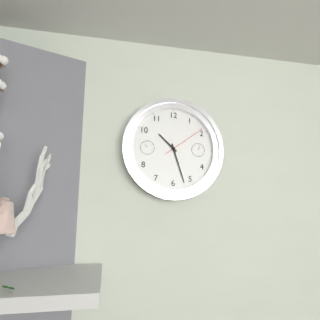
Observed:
10h27
